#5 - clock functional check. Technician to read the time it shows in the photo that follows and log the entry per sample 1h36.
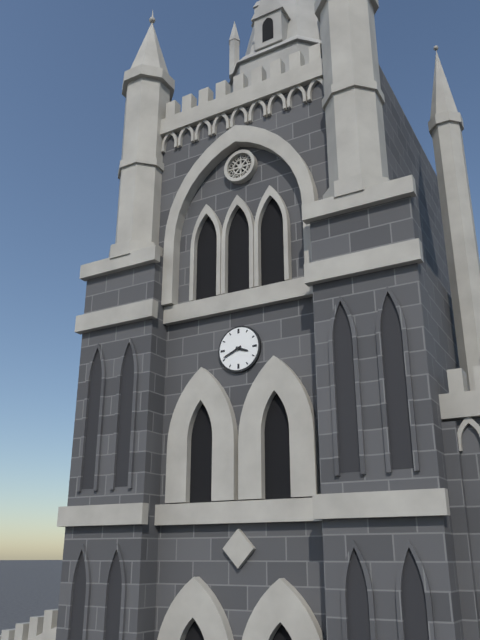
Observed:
3h41
